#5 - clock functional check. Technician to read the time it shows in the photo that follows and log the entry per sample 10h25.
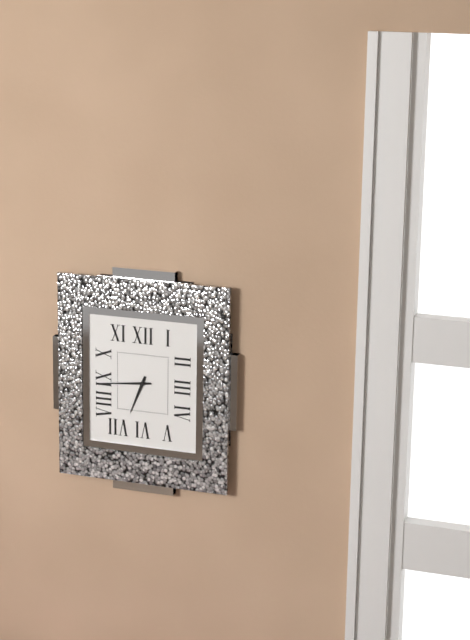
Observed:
6h44
